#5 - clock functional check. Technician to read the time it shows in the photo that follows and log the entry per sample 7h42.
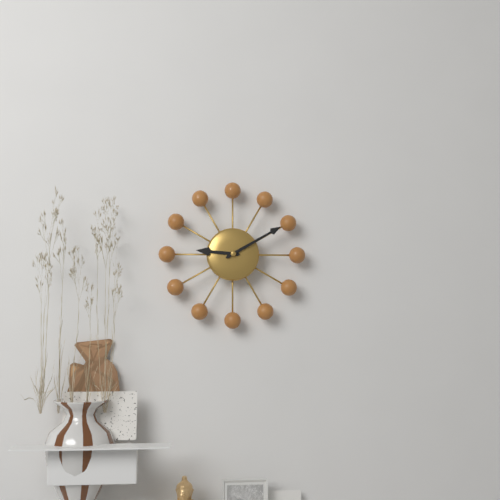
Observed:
9h10
